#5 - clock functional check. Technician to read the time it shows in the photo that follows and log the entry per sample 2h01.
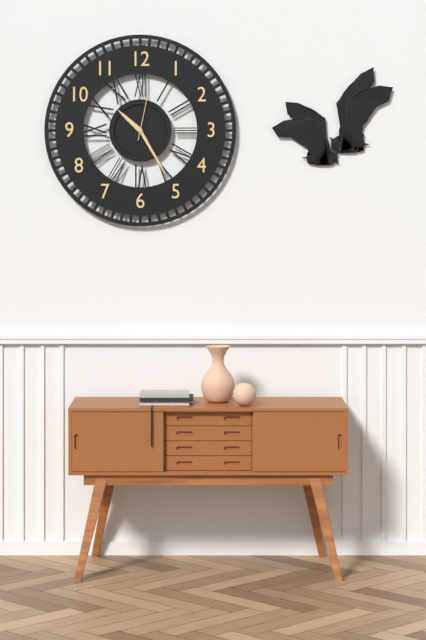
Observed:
10h25
